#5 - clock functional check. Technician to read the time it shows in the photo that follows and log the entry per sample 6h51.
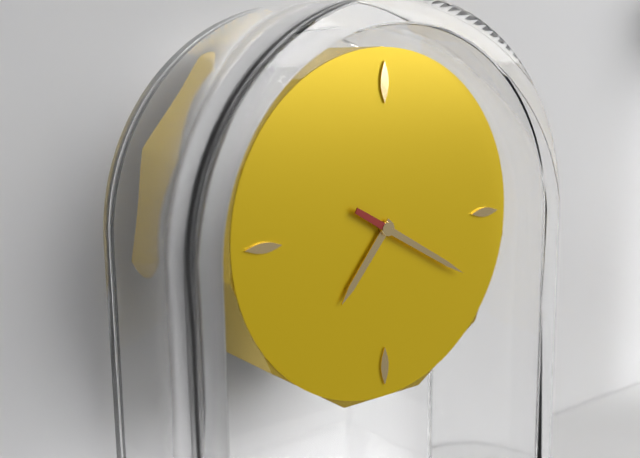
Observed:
7h20
